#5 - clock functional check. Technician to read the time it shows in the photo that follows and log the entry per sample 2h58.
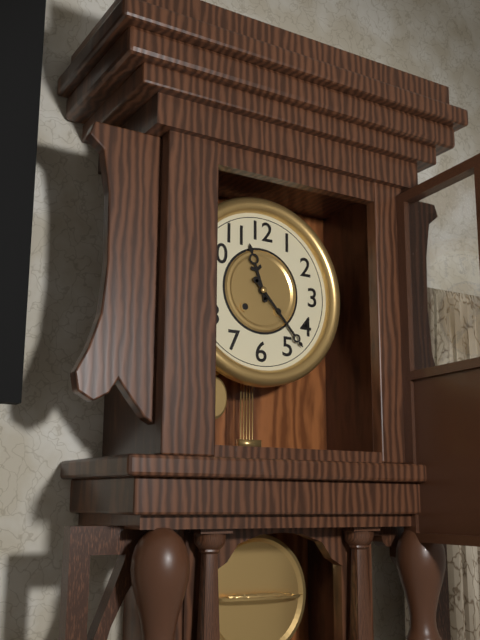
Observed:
11h23
